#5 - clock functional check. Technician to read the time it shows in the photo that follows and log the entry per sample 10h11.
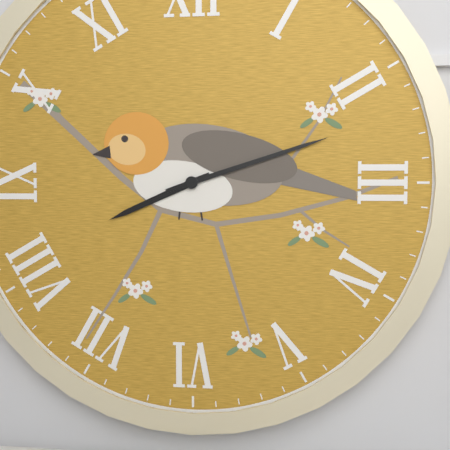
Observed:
8h12
